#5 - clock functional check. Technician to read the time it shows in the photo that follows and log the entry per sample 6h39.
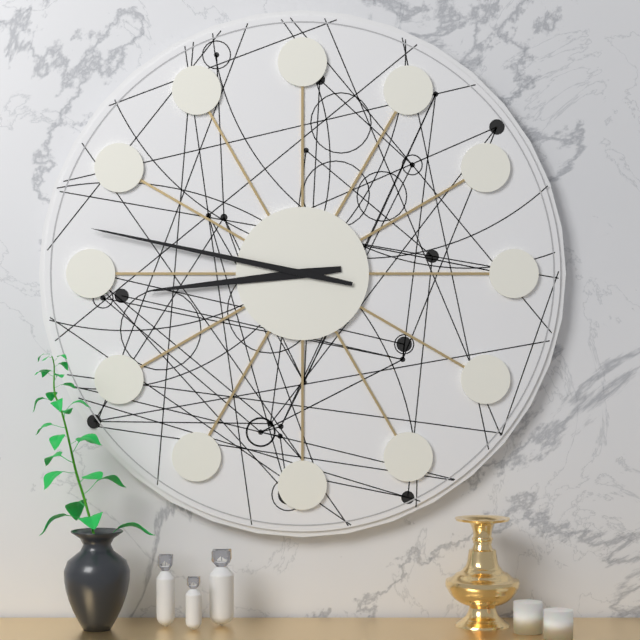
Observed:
8h47
